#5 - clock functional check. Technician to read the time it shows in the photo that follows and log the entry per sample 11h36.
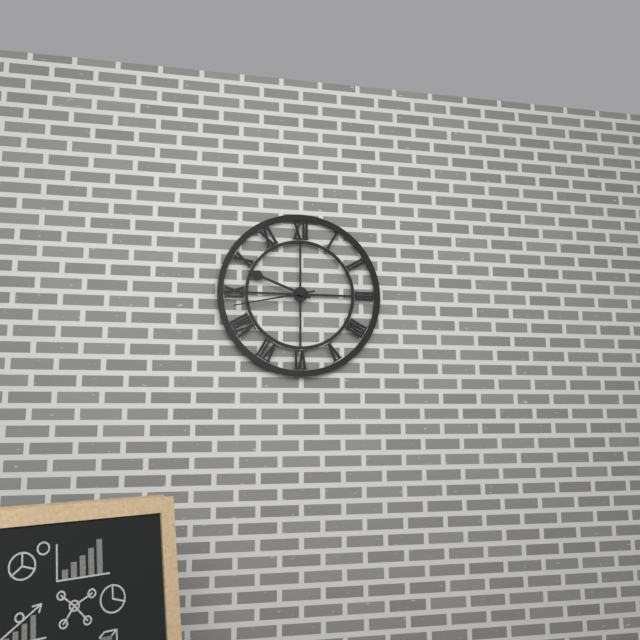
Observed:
9h43
